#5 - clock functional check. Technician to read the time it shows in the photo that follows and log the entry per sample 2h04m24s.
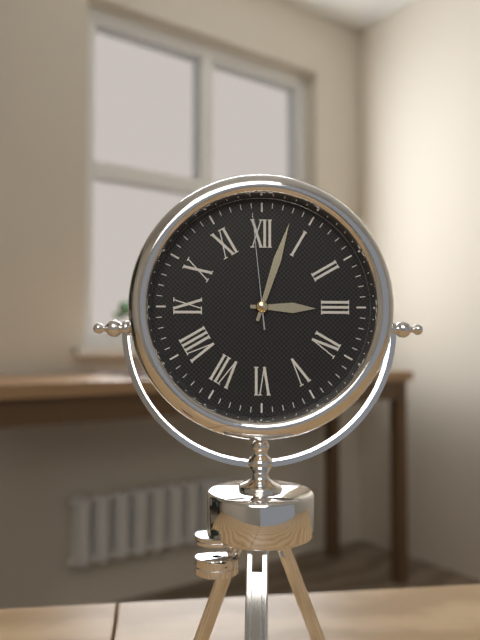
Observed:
3h03m59s
